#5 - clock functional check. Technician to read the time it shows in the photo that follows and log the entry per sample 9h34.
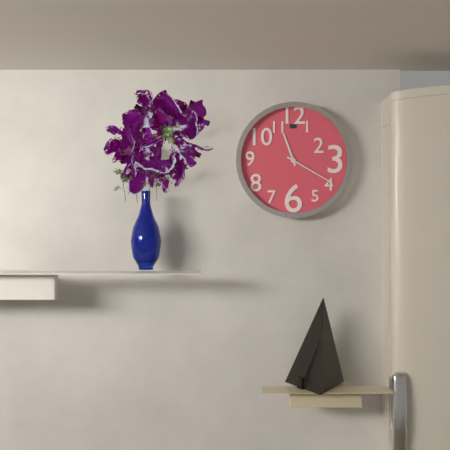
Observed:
11h20
